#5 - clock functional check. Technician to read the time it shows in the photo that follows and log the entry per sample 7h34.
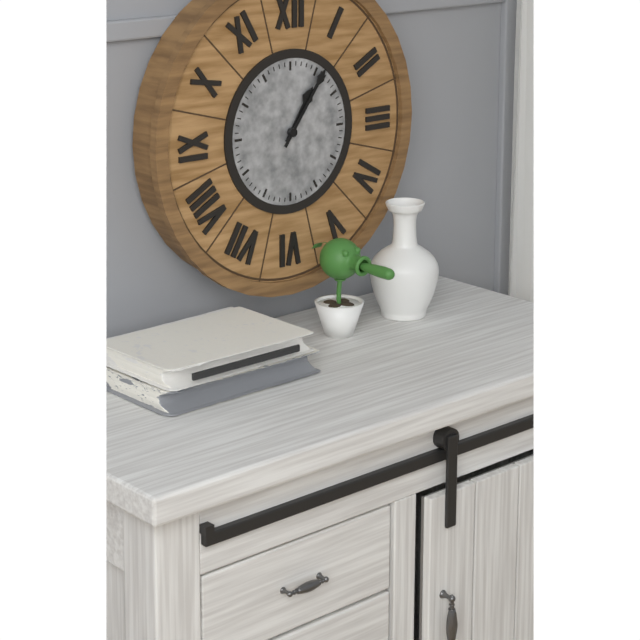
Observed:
1h06
